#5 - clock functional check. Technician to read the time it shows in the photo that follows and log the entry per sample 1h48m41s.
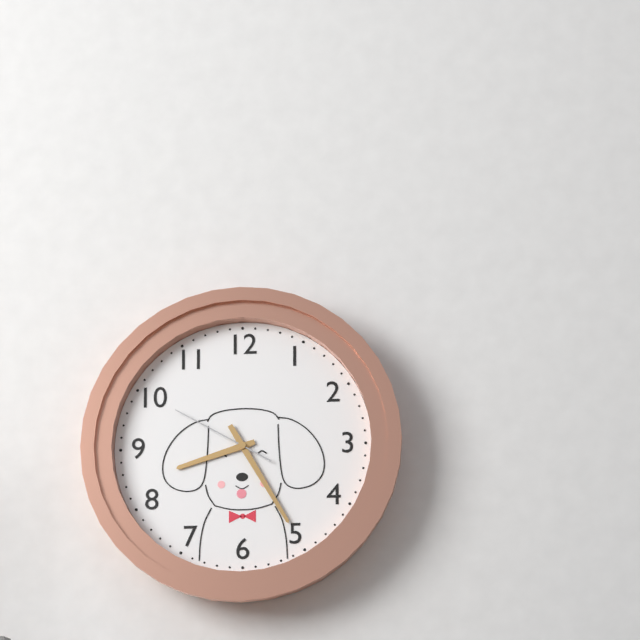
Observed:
8h25m50s
